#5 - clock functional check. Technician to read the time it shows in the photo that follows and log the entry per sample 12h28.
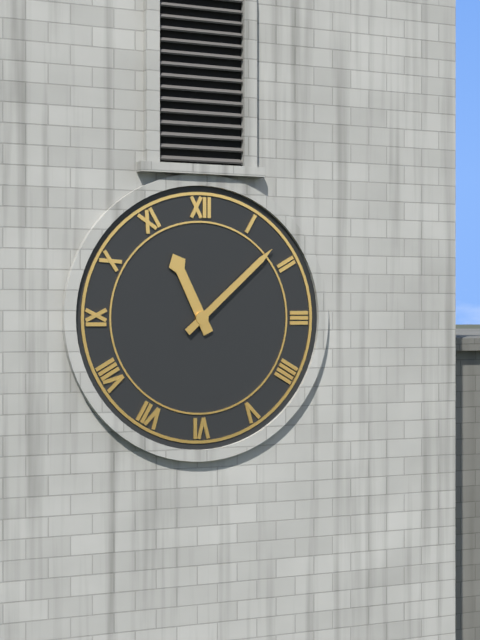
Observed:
11h08
